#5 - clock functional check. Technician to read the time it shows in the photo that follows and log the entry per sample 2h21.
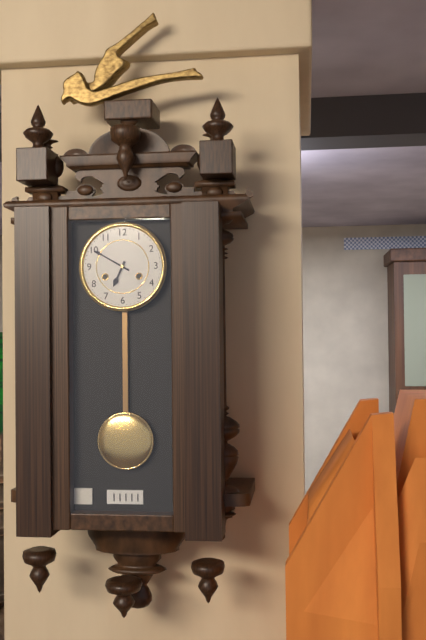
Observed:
6h50
